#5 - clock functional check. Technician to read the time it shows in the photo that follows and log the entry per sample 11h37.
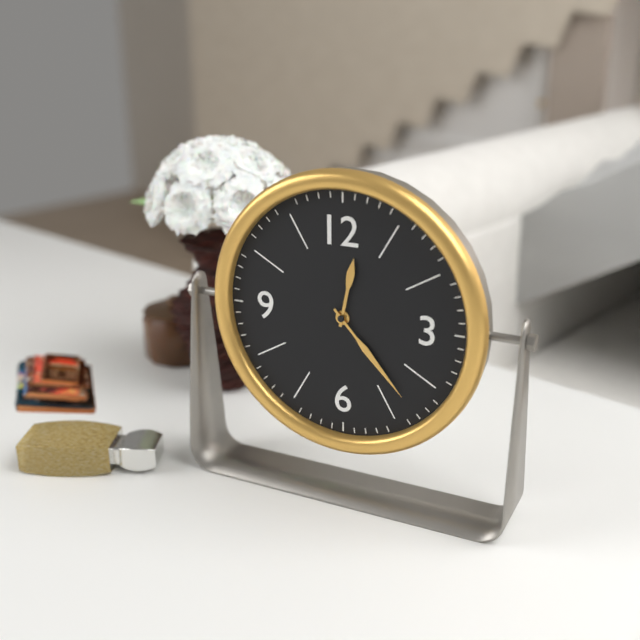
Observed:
12h23
